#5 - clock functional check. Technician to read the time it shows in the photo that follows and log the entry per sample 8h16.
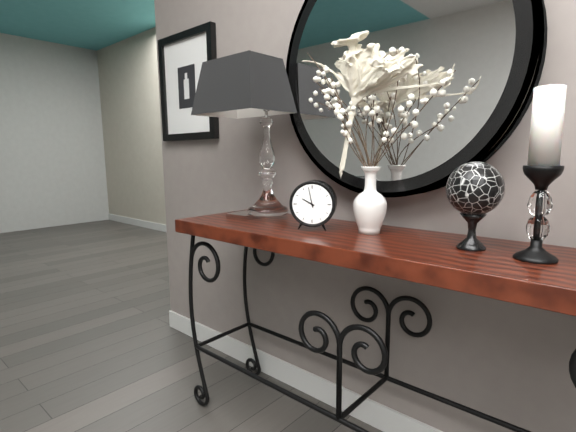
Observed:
9h58
